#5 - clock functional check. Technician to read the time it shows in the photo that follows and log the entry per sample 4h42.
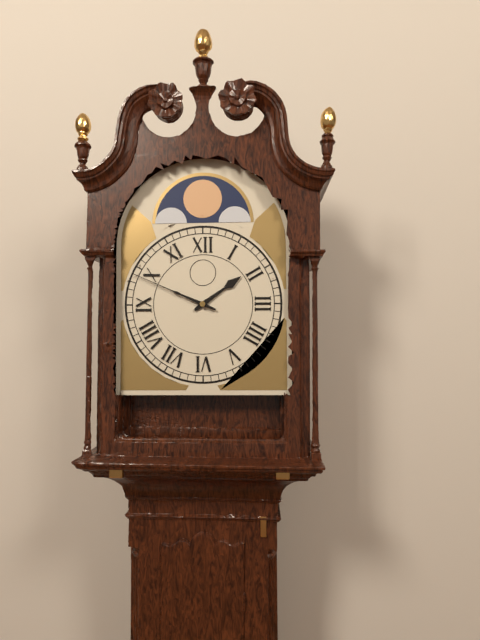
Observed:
1h49
